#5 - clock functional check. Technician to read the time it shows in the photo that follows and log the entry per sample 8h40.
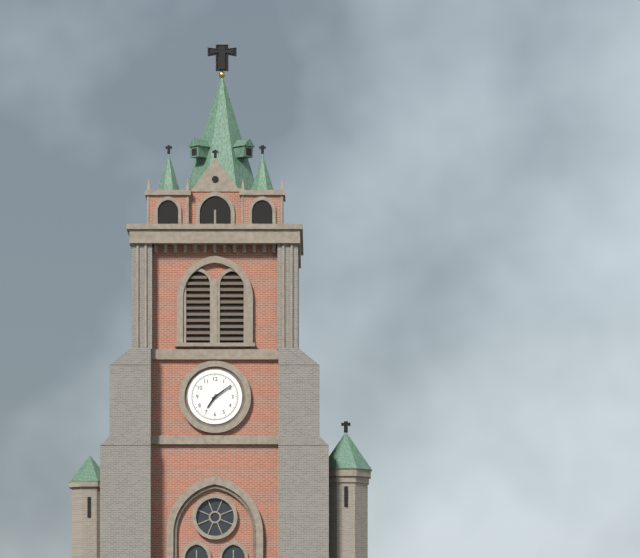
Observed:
7h09
